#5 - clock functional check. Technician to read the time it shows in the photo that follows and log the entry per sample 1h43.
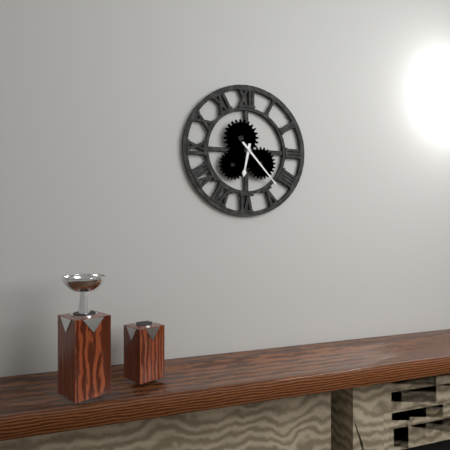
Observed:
6h23
